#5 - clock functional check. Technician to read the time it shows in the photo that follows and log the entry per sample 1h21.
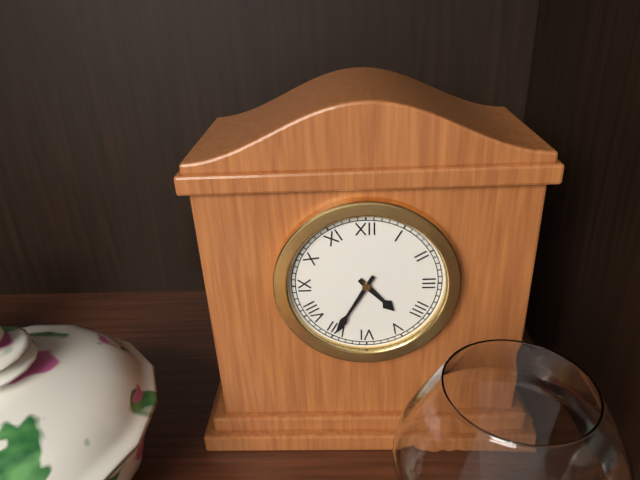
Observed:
4h35
